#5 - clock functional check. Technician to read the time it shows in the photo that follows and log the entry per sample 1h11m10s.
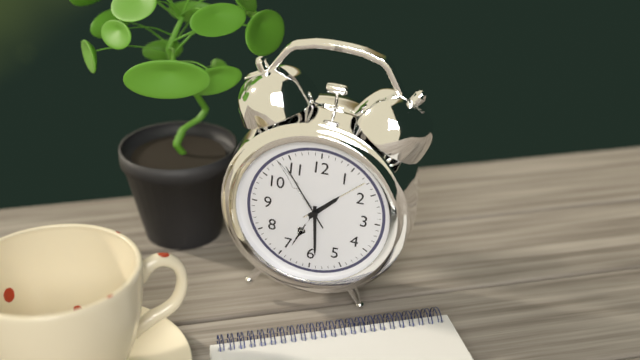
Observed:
1h29m54s
